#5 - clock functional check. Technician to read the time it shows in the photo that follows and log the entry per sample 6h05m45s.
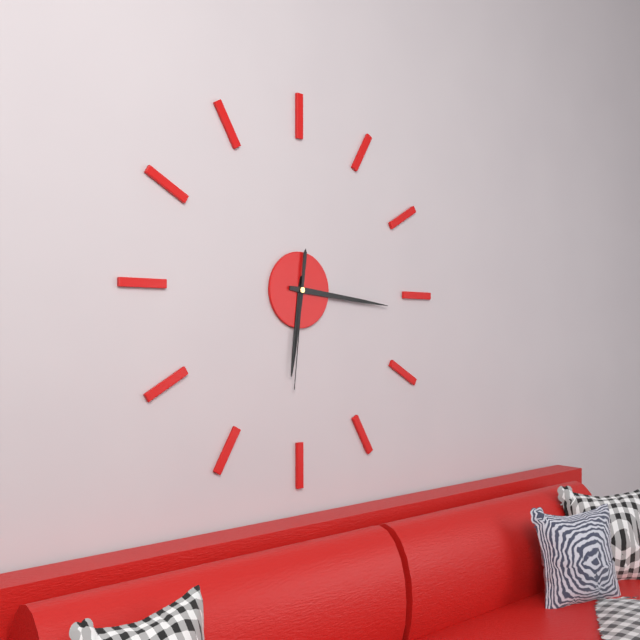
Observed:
6h16m31s
